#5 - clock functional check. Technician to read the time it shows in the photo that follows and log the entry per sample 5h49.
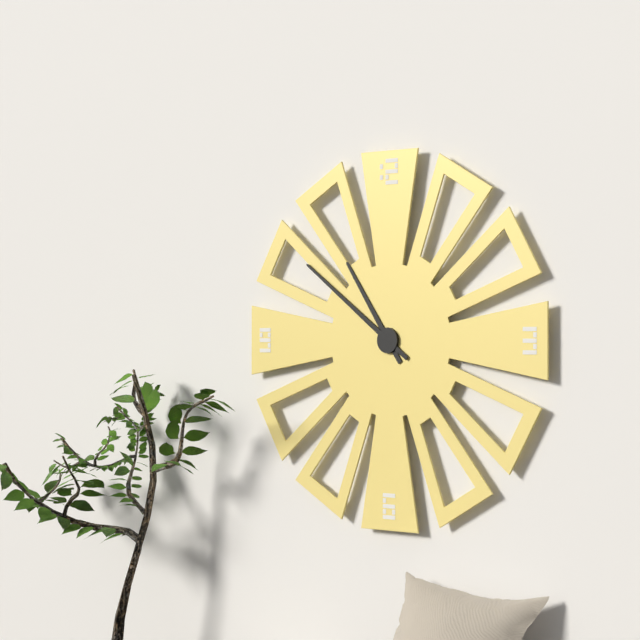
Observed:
10h51
